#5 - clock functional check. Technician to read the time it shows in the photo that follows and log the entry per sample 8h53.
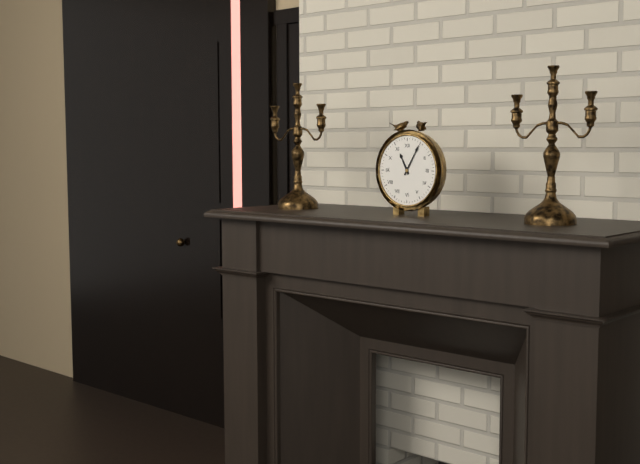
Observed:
11h05
